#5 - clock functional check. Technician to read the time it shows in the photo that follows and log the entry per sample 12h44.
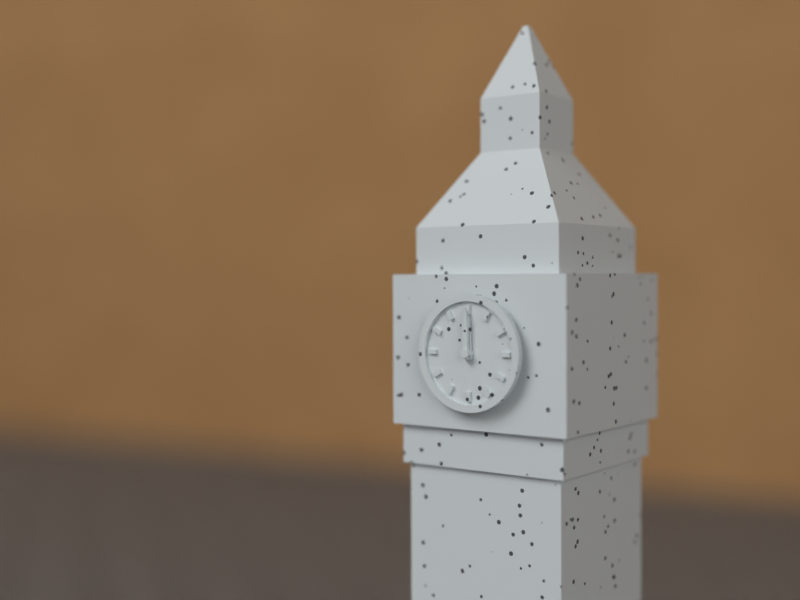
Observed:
12h00
